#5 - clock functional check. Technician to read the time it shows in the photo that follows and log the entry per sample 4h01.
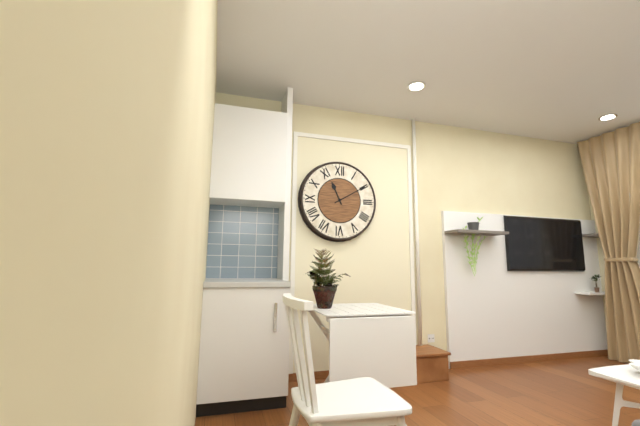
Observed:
11h10
